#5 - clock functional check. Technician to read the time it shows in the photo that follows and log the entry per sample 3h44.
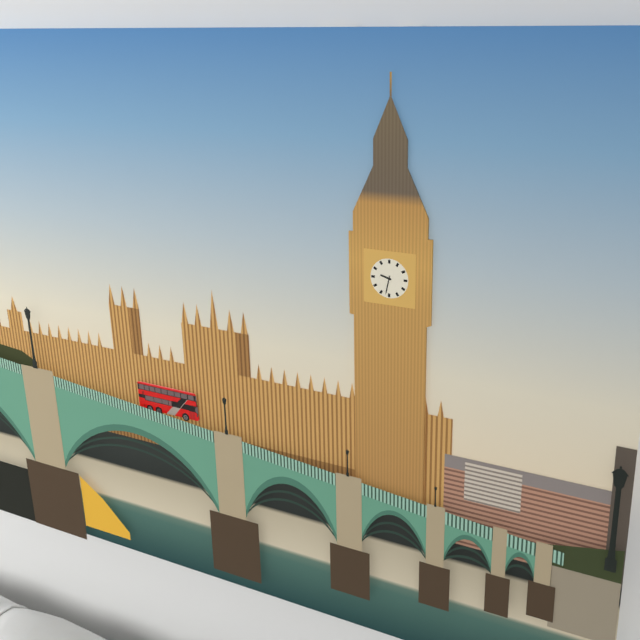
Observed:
9h32
